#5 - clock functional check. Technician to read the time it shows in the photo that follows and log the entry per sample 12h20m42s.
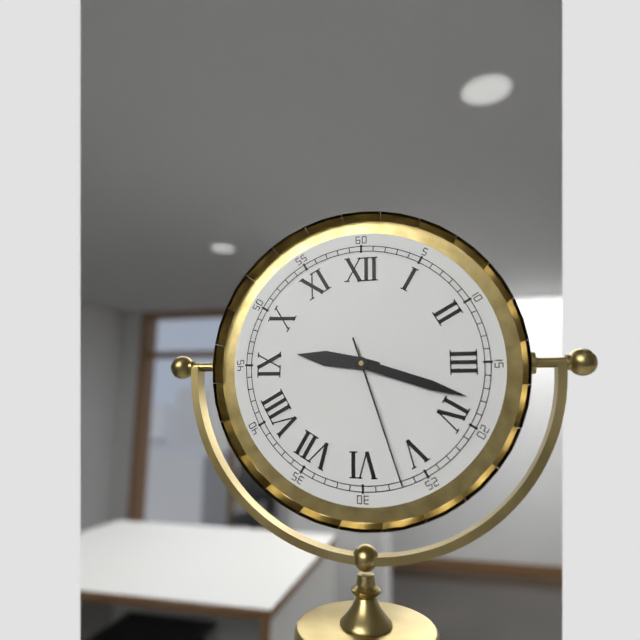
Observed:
9h18m27s
